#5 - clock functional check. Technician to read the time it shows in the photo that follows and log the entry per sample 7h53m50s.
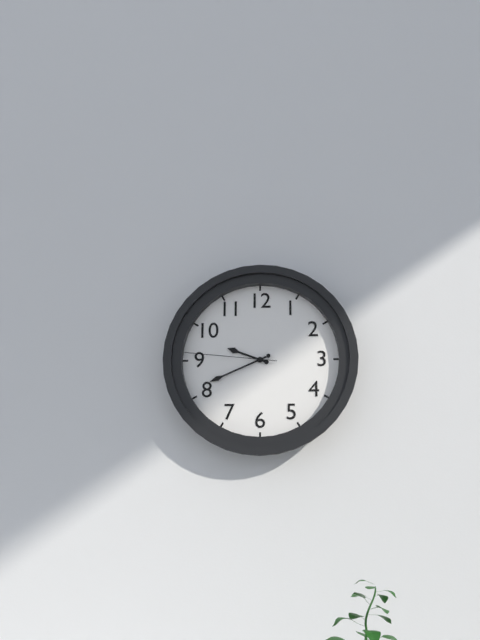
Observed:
9h41m46s
